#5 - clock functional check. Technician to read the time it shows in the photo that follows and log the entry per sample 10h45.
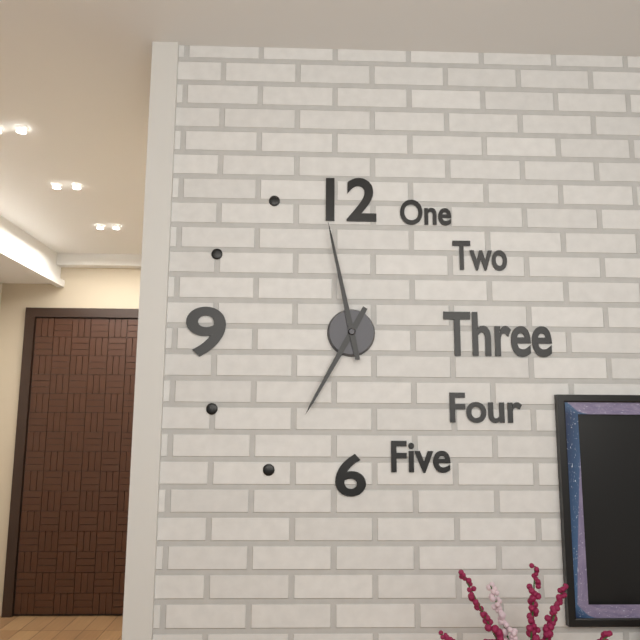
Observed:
6h58
